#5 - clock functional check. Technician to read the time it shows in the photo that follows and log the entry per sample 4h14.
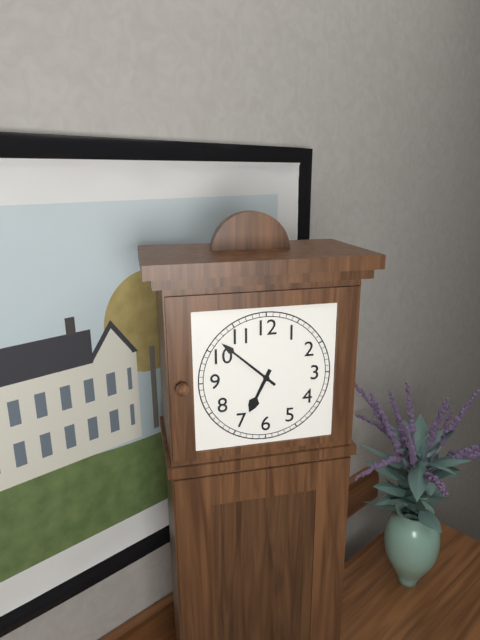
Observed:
6h52
